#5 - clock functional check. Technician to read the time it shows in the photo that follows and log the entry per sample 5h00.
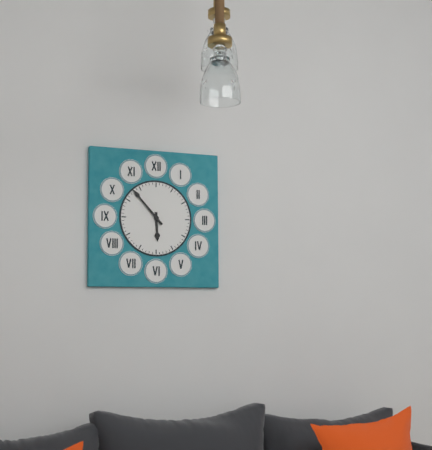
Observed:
5h53
